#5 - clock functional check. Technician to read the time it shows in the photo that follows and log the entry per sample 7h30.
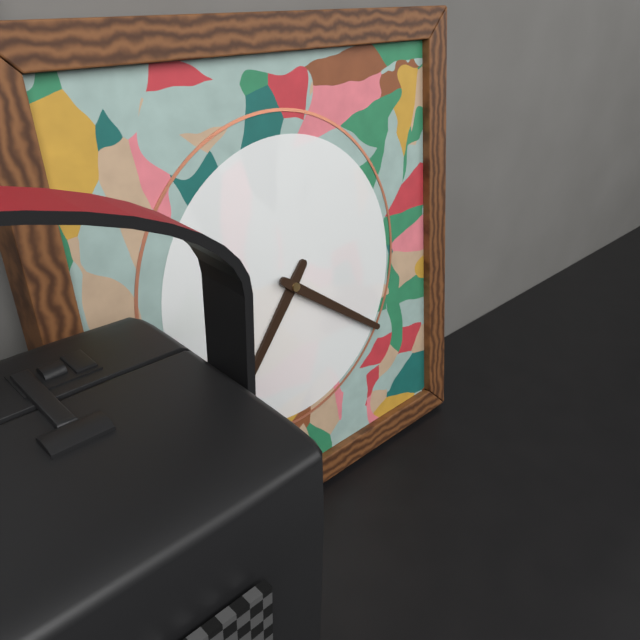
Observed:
7h21
